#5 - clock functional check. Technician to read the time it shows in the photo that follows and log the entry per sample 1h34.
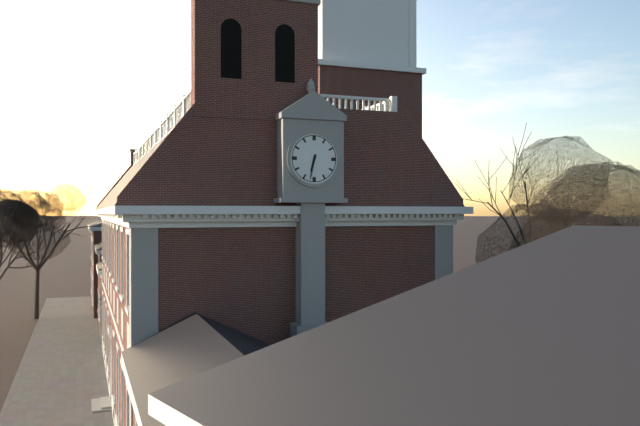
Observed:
6h32
